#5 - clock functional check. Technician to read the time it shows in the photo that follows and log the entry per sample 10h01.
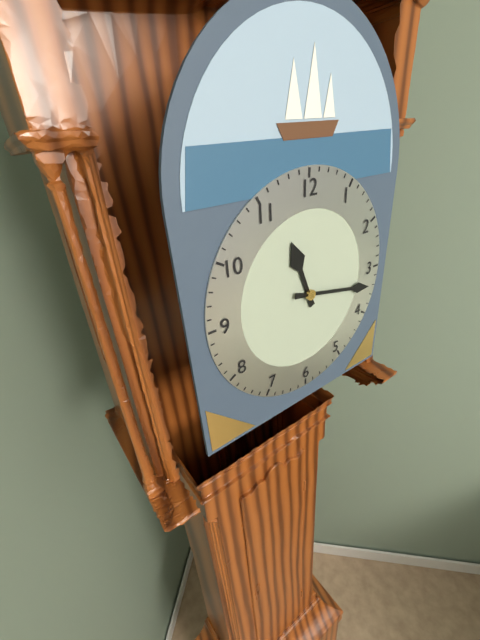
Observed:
11h17
